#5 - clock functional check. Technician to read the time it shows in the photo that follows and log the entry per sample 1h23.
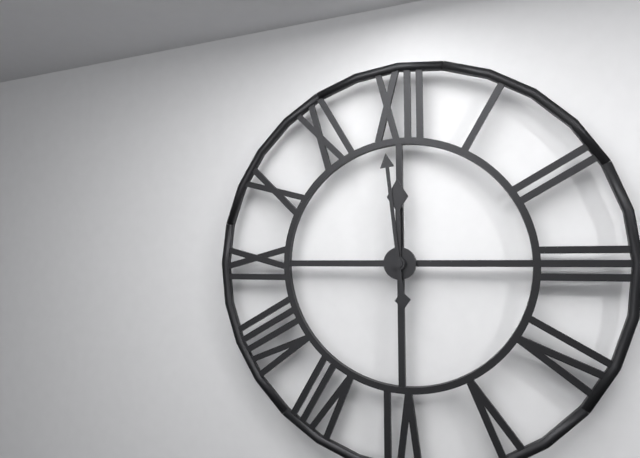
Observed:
11h59
